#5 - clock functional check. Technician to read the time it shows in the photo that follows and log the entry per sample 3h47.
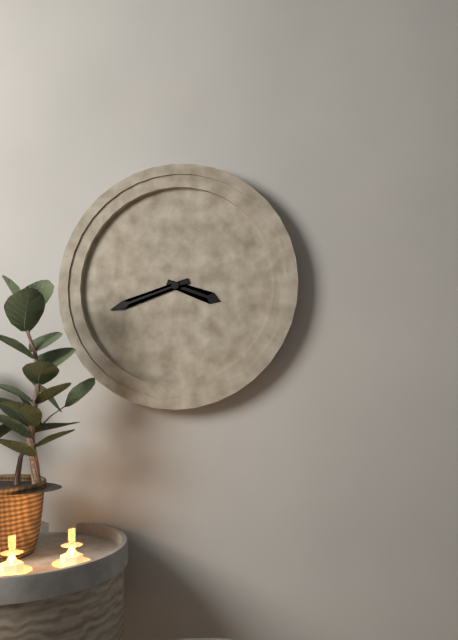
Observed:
3h42
